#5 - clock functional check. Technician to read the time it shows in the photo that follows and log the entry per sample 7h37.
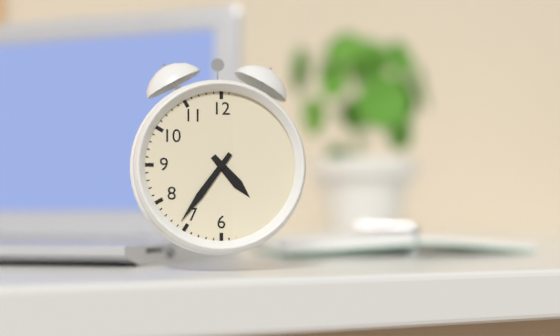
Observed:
4h36
